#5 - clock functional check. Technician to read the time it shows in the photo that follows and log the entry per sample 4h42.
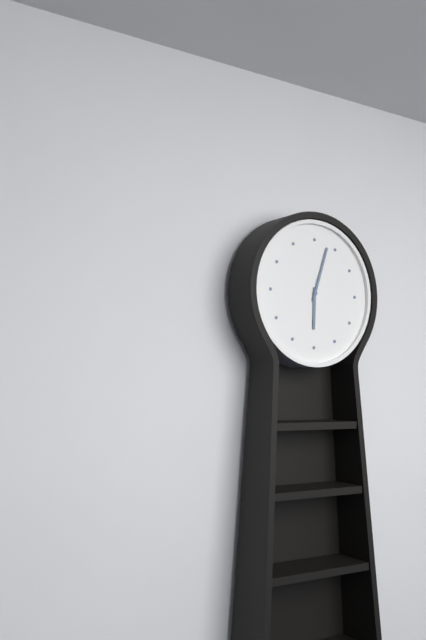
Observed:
6h03
